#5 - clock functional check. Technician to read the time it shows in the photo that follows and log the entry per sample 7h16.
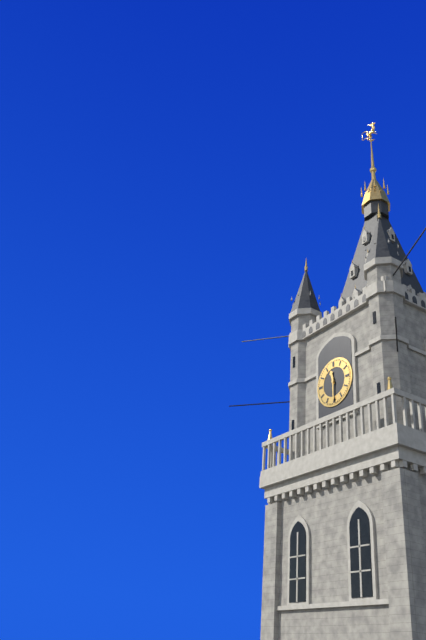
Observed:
11h30
